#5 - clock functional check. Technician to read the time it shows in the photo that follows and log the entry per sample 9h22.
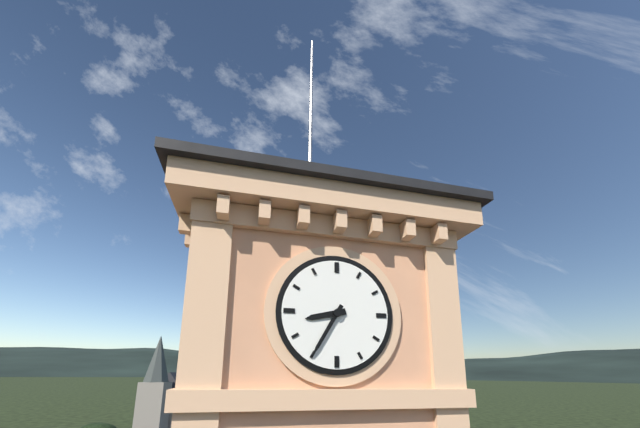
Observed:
8h35
